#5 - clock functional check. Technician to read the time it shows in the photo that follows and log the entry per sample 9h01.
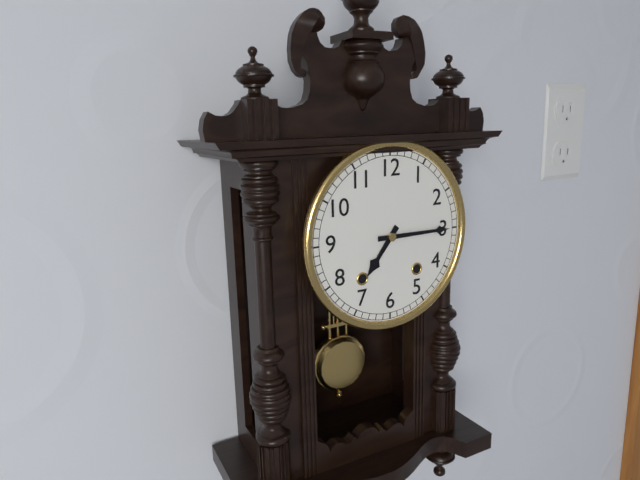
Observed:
7h15
